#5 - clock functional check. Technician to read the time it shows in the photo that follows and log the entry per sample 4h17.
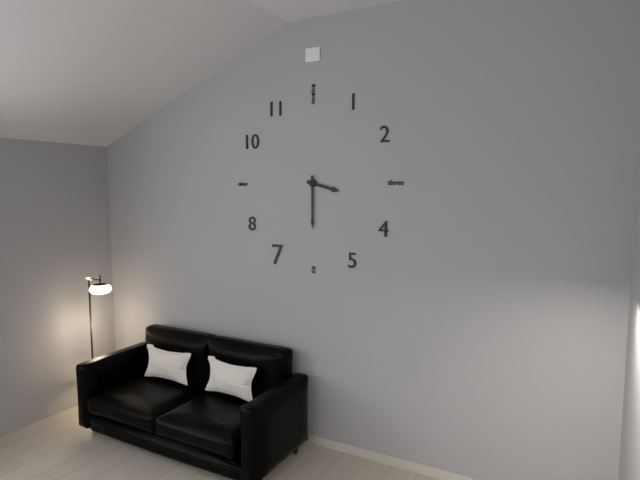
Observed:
3h30
